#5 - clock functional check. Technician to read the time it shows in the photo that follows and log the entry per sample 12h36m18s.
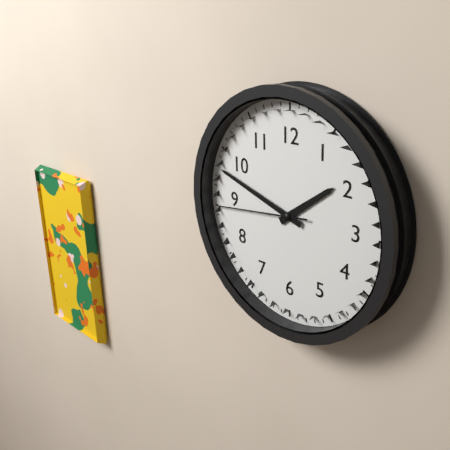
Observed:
1h48m44s
